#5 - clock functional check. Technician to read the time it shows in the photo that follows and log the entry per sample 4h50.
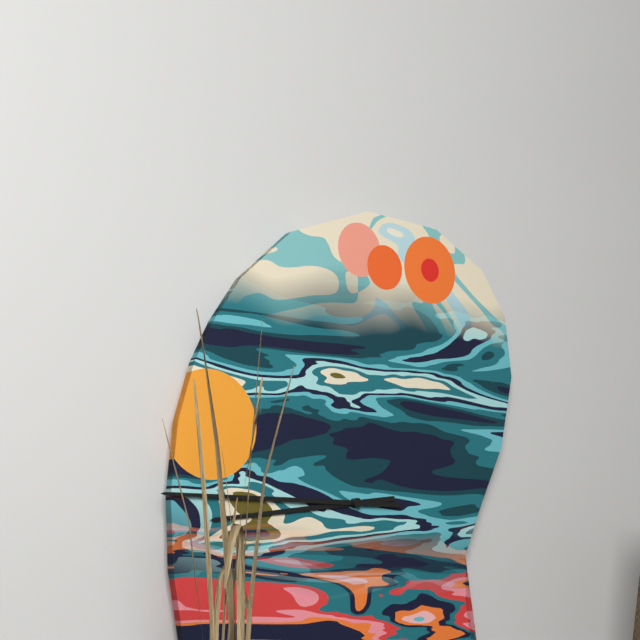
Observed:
8h45
